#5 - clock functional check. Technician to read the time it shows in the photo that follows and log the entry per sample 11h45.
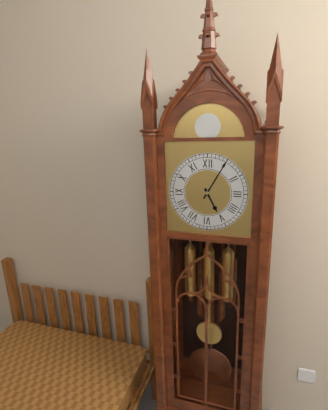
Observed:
5h05
